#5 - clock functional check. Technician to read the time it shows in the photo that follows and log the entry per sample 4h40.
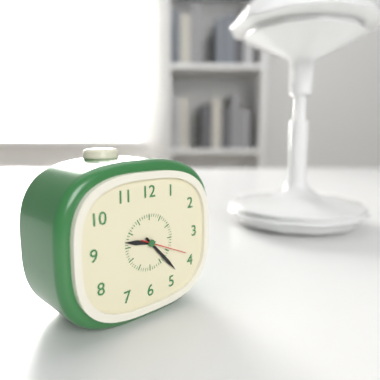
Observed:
9h23
